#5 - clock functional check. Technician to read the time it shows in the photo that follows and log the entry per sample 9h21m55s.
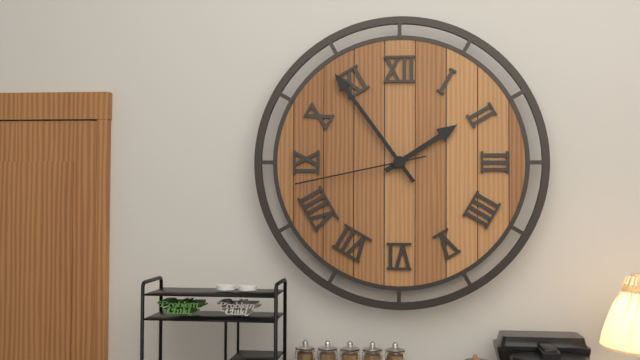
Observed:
1h54m43s
